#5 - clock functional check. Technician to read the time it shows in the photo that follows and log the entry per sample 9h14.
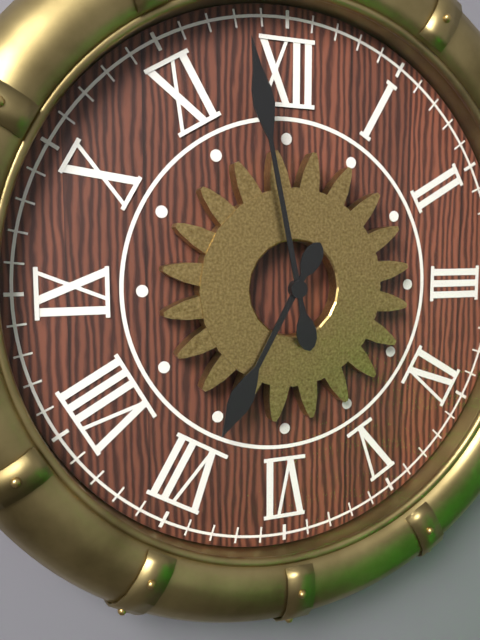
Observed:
6h58
